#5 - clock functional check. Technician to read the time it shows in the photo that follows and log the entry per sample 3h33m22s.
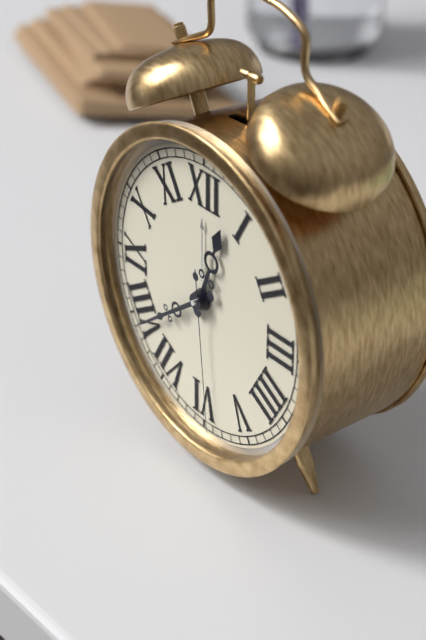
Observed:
12h39m29s
